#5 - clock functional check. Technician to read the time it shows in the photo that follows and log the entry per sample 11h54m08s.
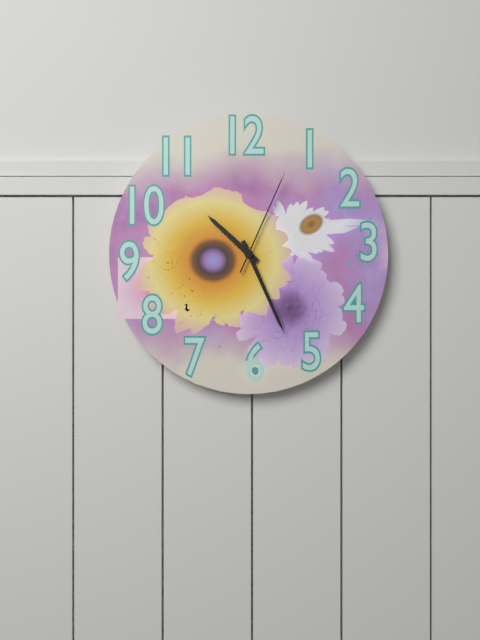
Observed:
10h26m04s
